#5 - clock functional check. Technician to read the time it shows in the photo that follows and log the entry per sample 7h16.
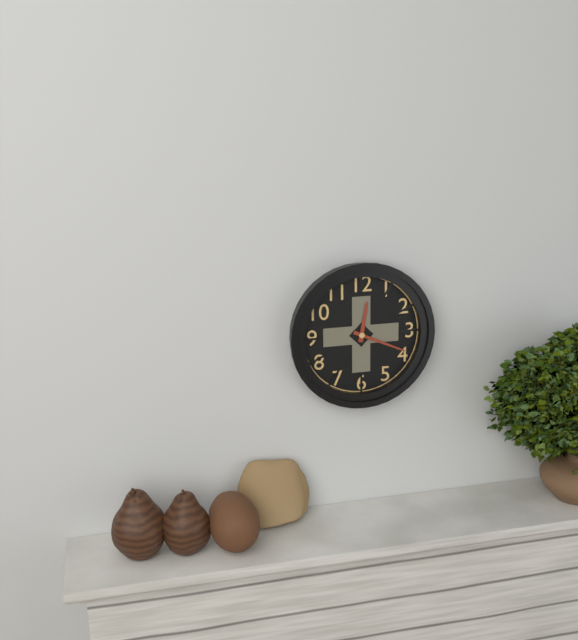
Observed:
12h19
